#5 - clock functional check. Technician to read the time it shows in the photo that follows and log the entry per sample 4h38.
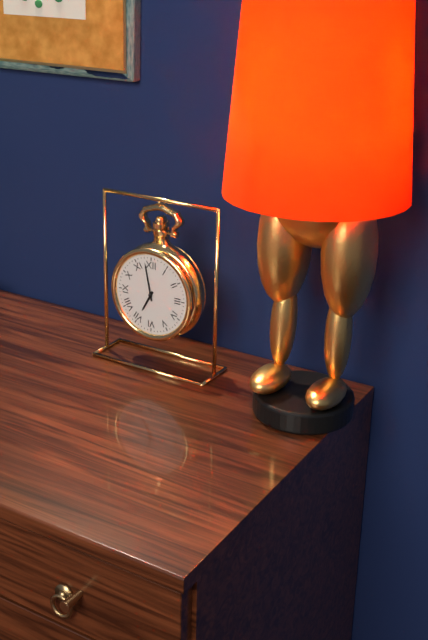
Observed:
6h58
